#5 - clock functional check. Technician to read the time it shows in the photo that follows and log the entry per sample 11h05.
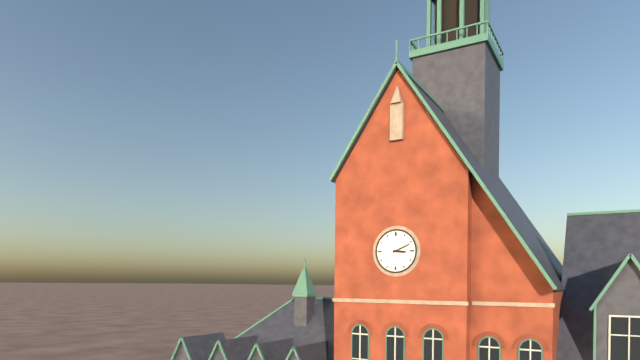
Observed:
3h11
